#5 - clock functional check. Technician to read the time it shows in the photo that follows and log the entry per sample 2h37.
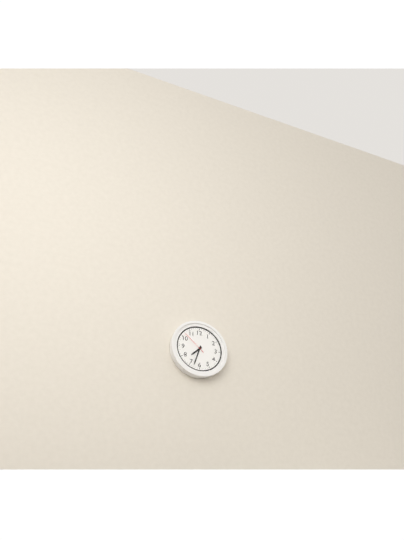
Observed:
7h33
